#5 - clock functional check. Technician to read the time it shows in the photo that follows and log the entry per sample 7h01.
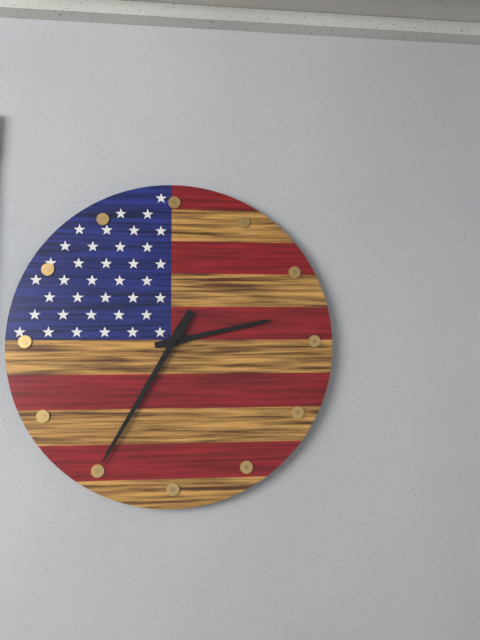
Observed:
2h35
